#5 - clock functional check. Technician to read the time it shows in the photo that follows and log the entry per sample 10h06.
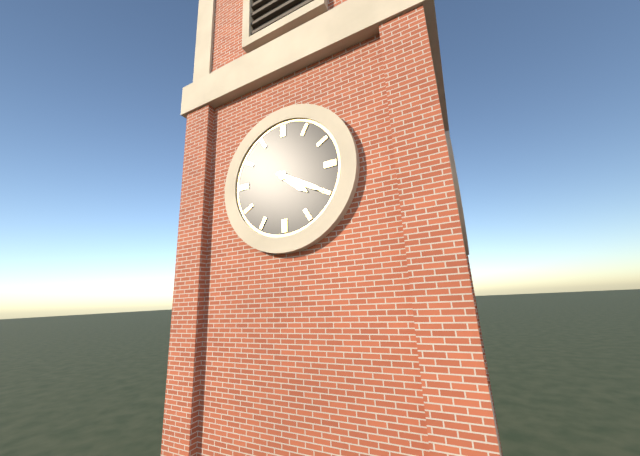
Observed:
4h20
